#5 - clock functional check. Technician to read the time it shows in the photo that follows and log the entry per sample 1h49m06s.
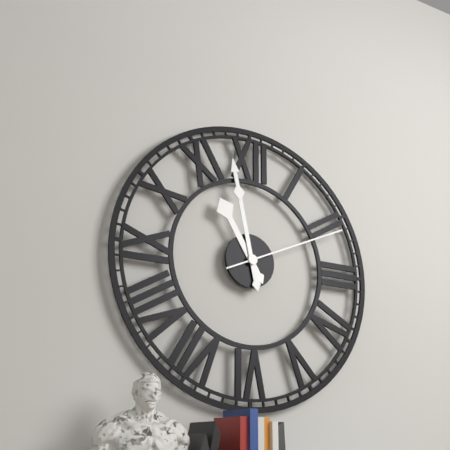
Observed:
10h58m11s
